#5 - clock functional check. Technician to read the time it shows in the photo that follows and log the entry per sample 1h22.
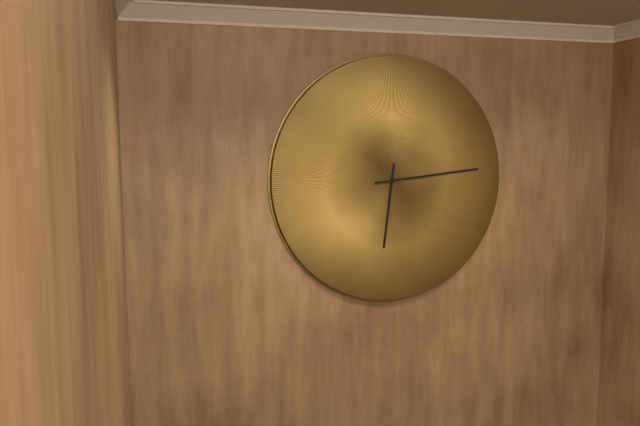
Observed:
6h14
